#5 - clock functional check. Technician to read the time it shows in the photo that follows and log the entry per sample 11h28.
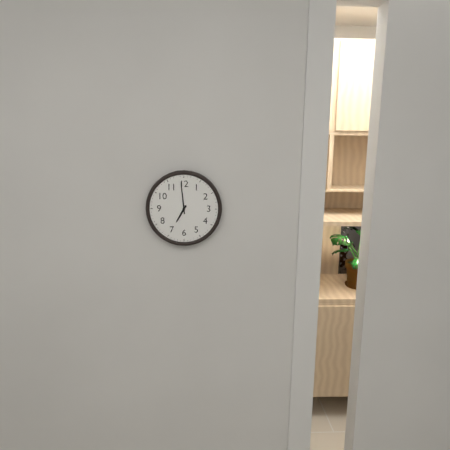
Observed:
6h59
